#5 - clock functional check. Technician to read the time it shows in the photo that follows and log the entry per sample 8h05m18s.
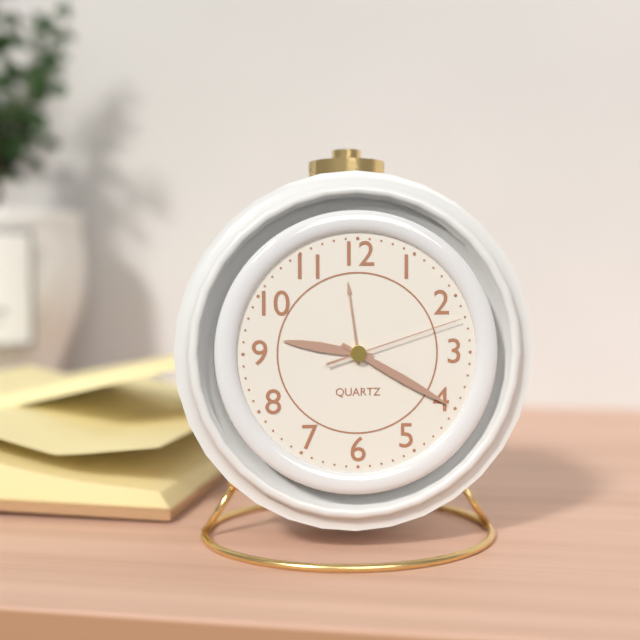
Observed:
9h20m12s
